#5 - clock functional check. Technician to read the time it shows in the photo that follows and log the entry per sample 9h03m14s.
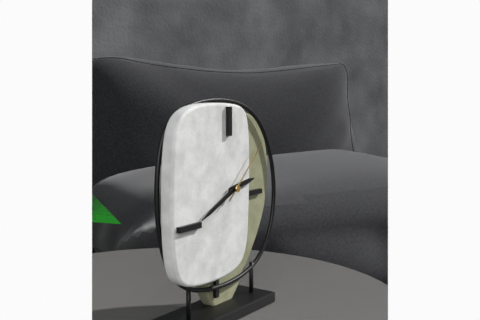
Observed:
2h41m08s
